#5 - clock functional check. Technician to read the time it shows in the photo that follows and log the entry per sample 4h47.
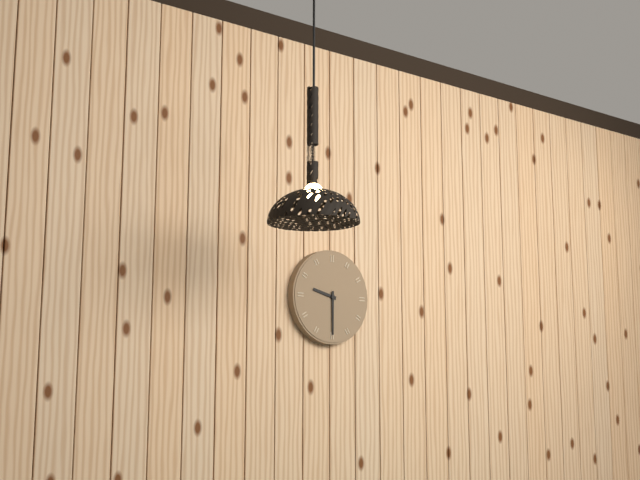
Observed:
9h30
